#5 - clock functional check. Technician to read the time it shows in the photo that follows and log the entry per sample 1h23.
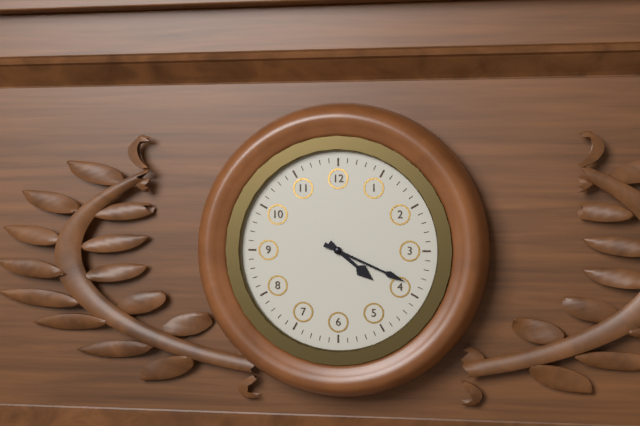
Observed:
4h19
